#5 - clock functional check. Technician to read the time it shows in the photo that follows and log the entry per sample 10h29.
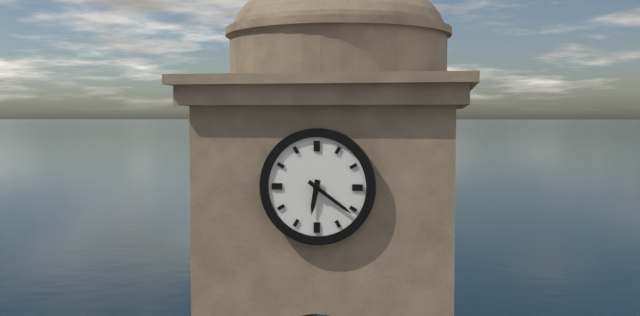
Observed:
6h21
